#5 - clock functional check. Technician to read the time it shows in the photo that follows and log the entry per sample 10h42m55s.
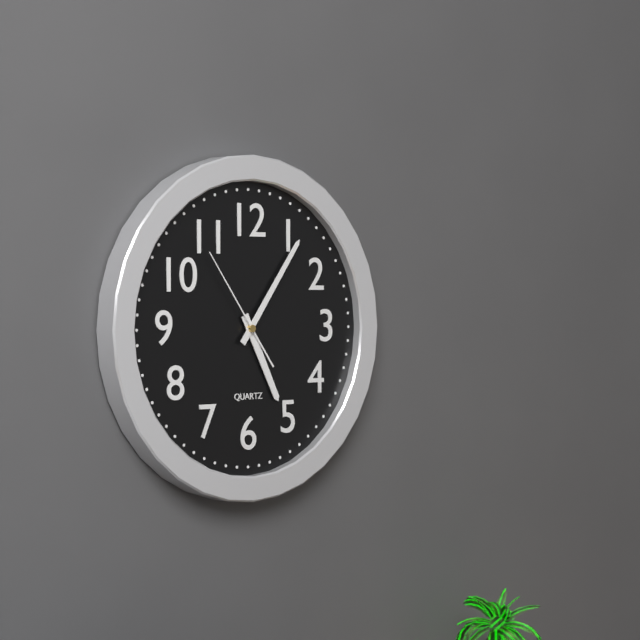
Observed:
5h06m54s
